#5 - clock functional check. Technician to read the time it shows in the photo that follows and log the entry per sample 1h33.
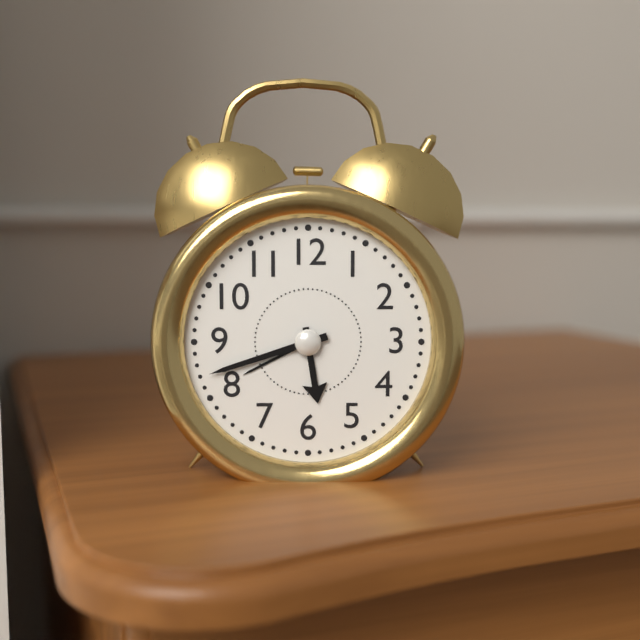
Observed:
5h42
